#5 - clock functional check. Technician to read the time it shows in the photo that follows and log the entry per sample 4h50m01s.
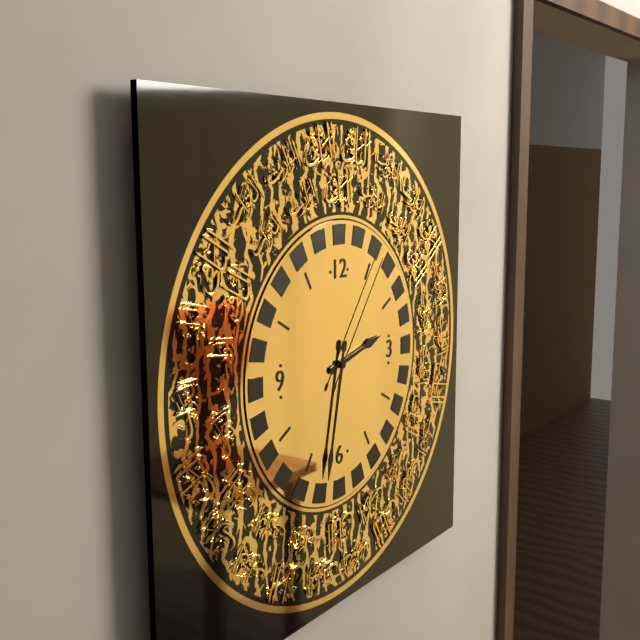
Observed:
2h32m06s
